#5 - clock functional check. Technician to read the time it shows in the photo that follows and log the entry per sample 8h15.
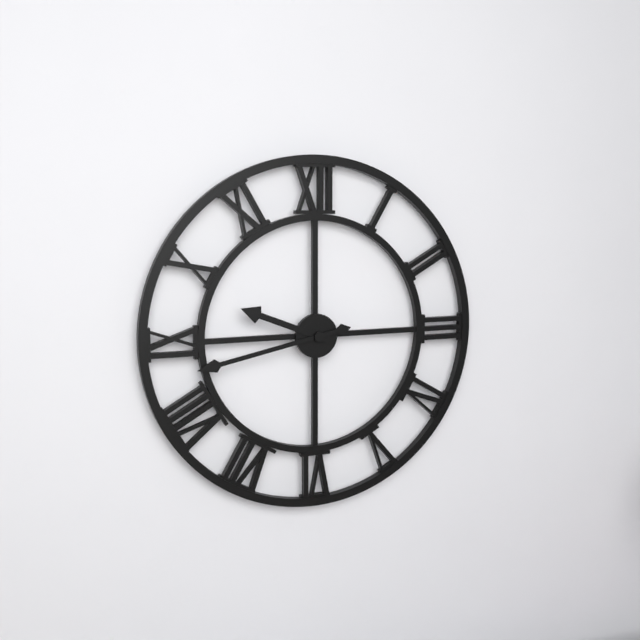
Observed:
9h43
